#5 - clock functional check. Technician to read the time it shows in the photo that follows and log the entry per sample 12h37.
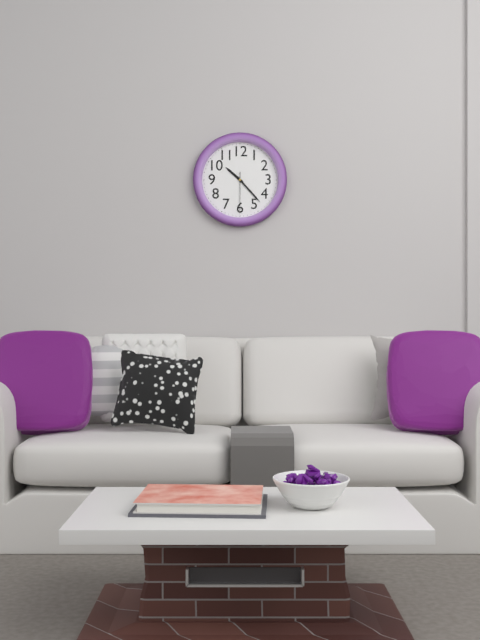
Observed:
10h23
